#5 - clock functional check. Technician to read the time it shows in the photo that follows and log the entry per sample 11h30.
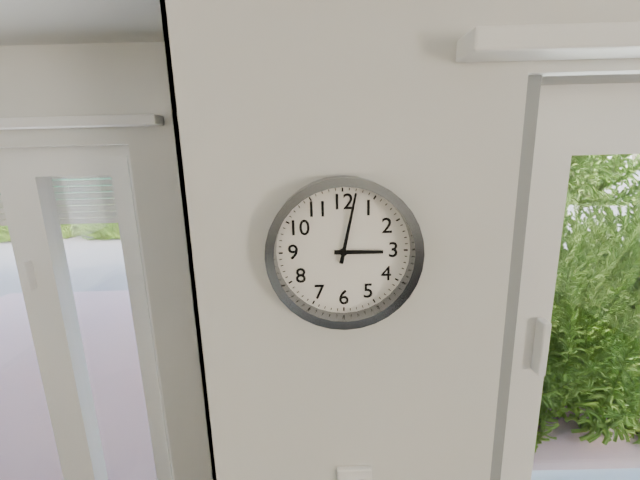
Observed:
3h02
